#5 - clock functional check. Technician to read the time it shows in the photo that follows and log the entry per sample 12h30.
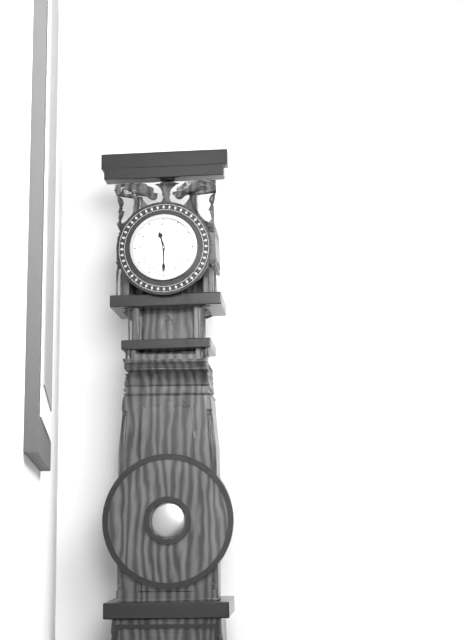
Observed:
11h30
